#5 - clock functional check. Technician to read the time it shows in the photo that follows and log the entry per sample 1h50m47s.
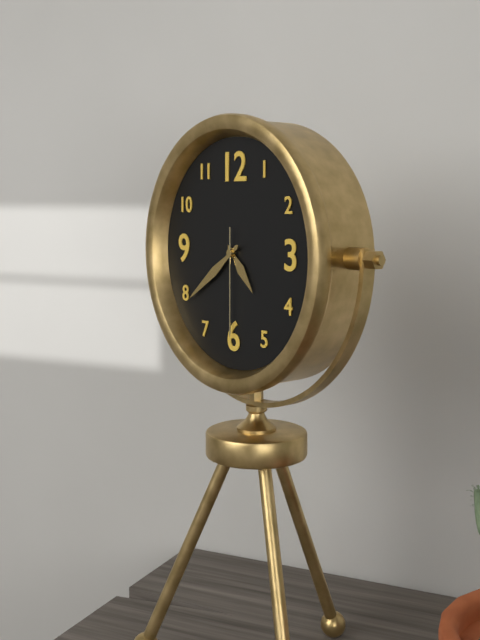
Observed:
4h39m30s
